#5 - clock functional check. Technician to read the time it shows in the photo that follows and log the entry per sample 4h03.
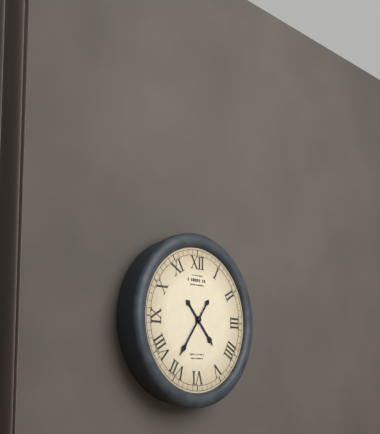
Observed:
4h36
